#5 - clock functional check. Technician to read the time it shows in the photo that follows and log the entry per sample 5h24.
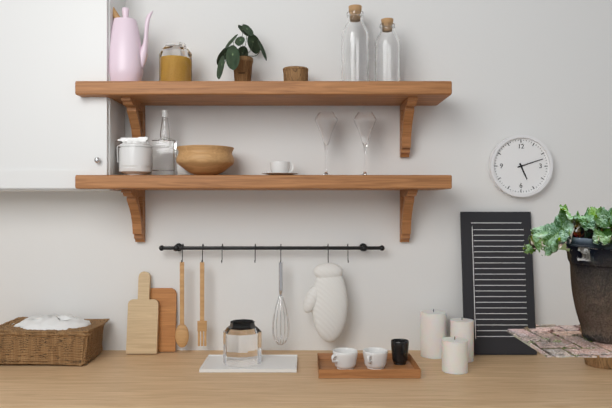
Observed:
5h12
